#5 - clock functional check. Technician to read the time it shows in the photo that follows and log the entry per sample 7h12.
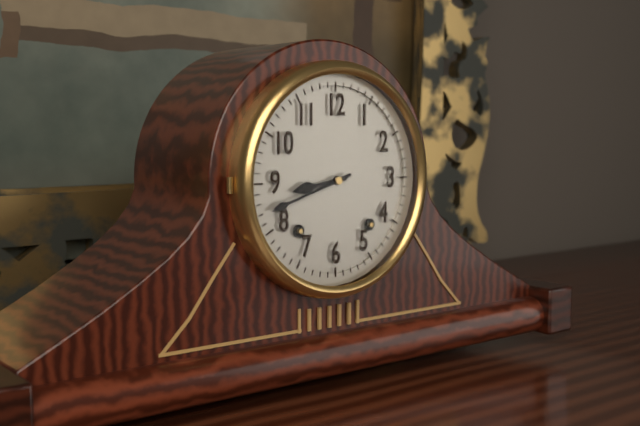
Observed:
8h42
